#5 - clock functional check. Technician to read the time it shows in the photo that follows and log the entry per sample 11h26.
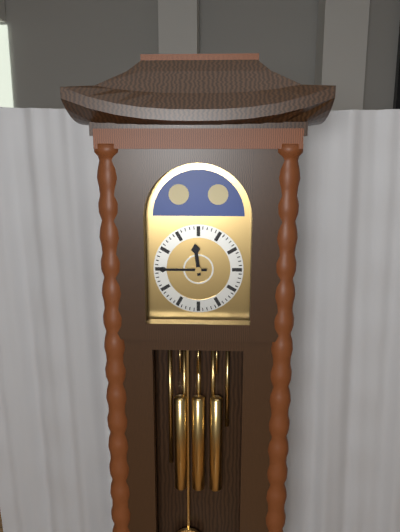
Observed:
11h45
